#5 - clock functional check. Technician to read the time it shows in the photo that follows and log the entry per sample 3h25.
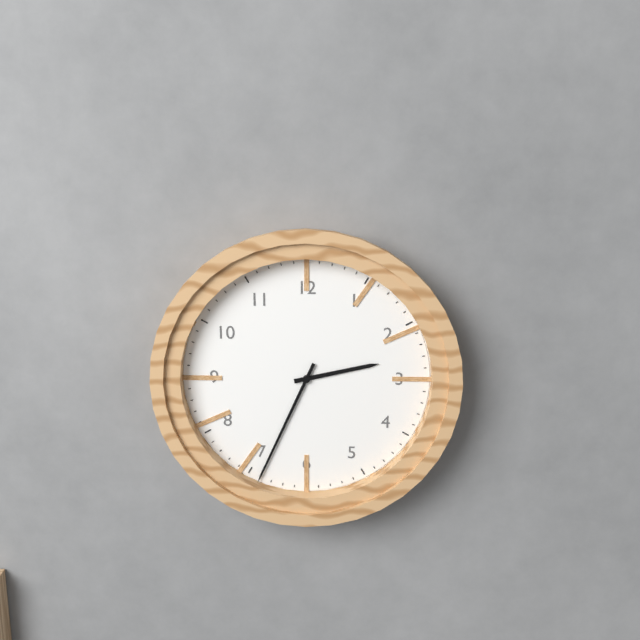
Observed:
2h34
